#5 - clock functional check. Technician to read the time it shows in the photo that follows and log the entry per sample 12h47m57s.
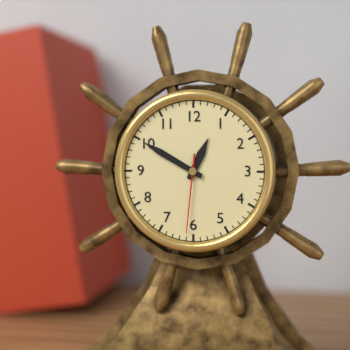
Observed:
12h50m31s
